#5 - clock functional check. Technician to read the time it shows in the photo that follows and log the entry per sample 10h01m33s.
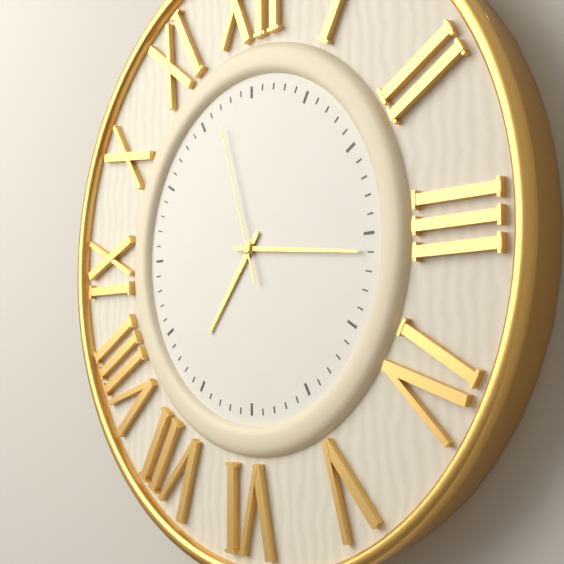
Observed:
7h16m57s
